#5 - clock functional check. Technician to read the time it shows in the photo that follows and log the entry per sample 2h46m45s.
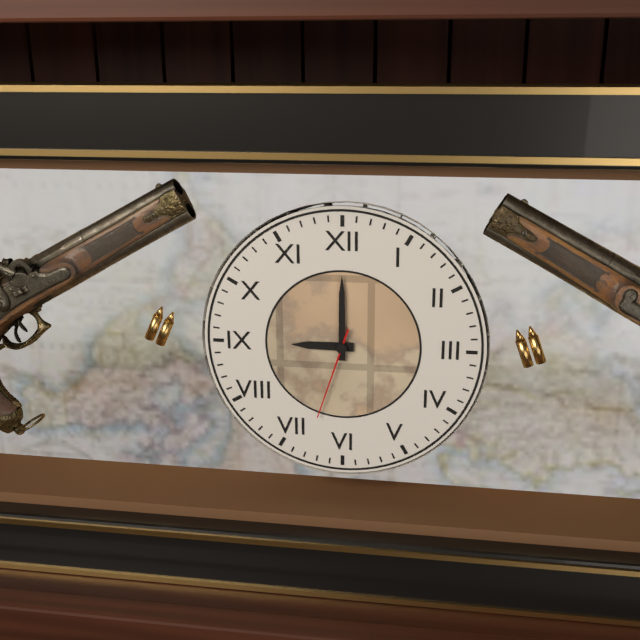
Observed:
9h00m33s
